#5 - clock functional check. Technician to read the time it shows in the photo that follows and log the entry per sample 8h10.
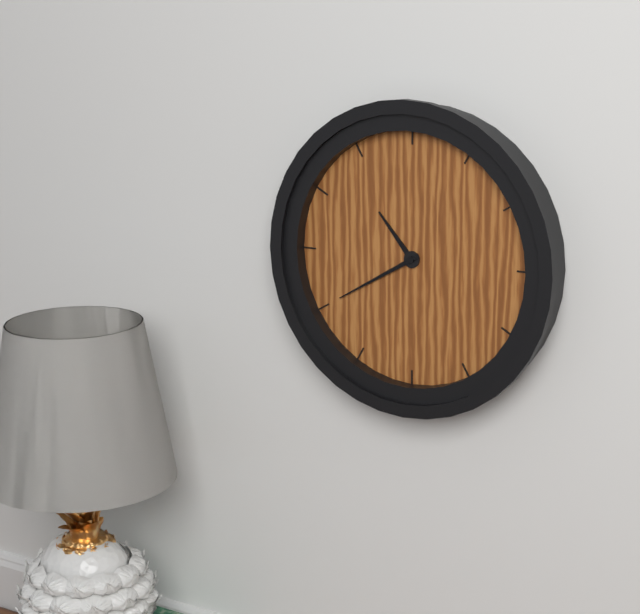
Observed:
10h40
